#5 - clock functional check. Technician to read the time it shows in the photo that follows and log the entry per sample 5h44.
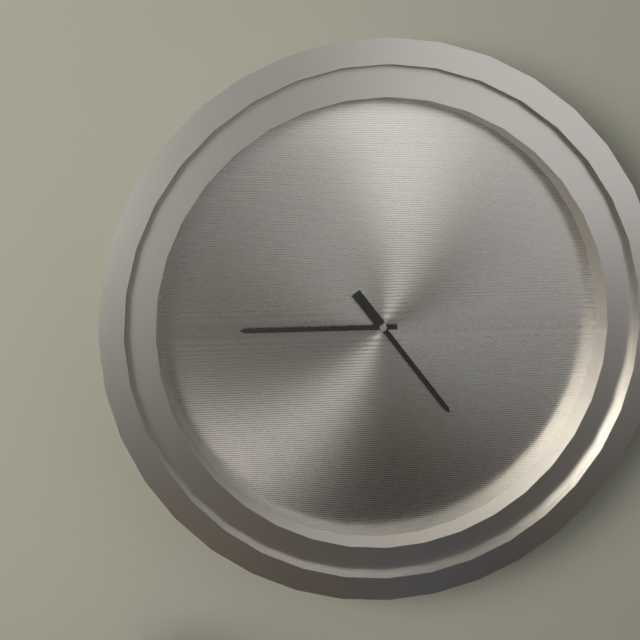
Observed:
4h45
